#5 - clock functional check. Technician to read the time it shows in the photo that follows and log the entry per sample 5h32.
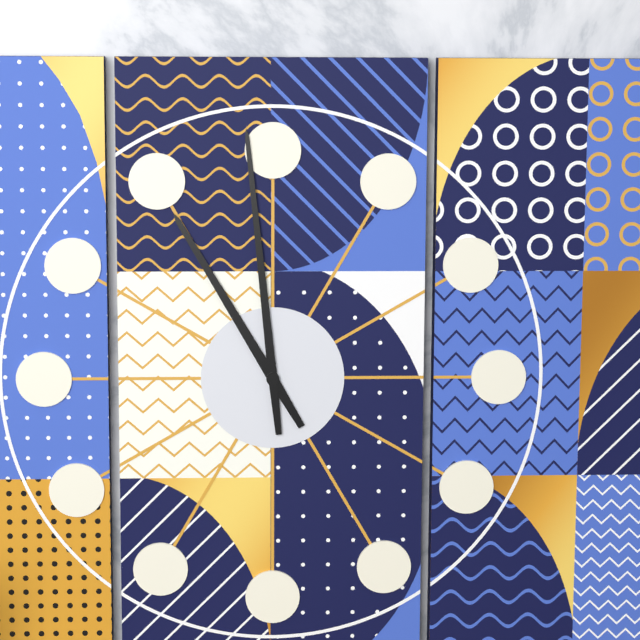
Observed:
10h59
